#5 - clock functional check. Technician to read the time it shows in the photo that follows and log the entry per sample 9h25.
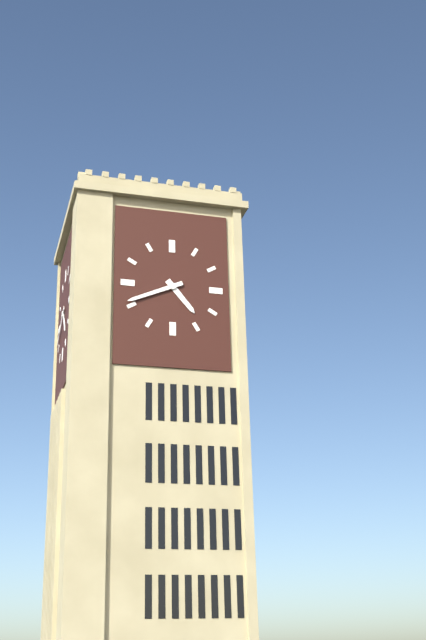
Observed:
4h41
